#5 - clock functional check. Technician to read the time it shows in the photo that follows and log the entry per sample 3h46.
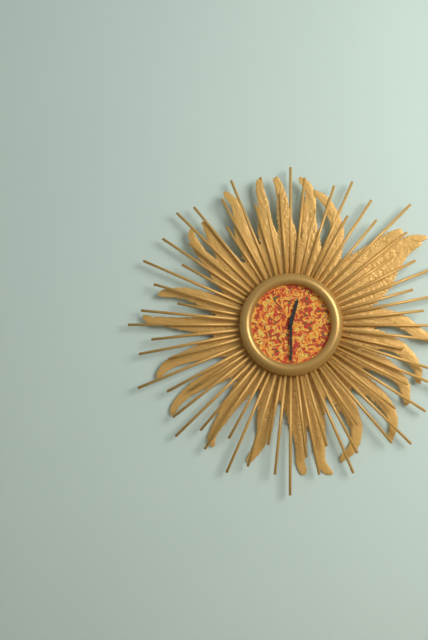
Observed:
12h30
